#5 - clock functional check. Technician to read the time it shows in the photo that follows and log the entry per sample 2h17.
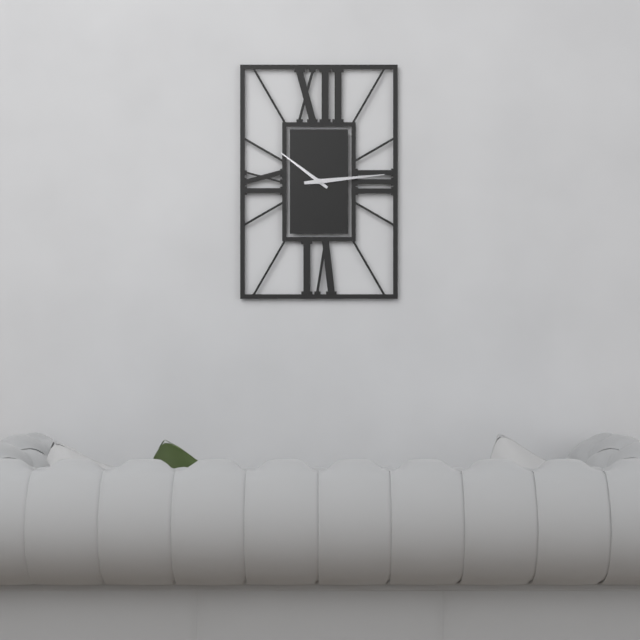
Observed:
10h14
